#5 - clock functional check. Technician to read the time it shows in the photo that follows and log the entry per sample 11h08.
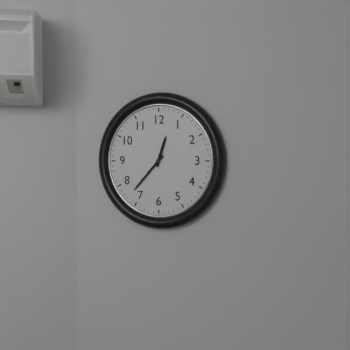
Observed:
12h37
